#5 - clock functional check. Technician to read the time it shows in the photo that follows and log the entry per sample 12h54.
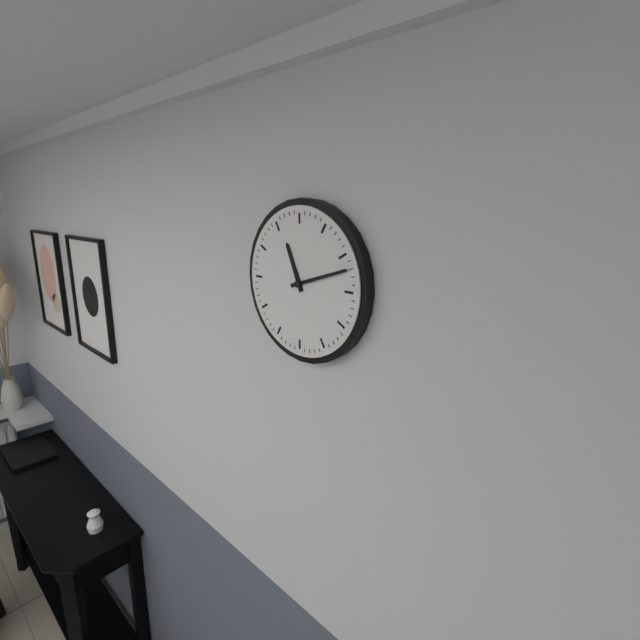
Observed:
11h12
